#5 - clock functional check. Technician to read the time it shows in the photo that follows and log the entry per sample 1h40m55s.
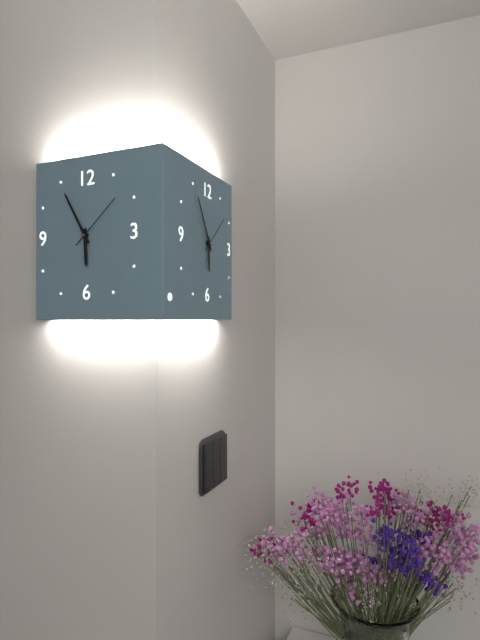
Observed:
5h55m08s
